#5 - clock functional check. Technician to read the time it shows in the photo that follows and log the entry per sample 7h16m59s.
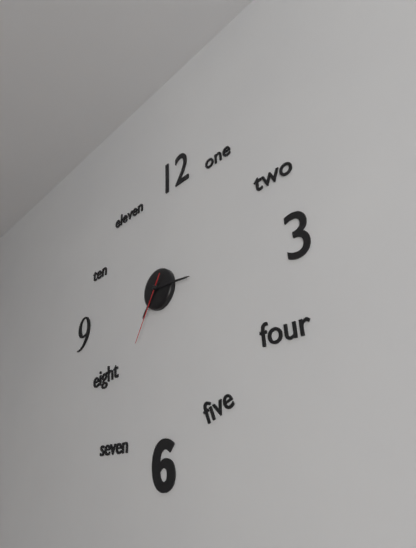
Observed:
7h16m35s
